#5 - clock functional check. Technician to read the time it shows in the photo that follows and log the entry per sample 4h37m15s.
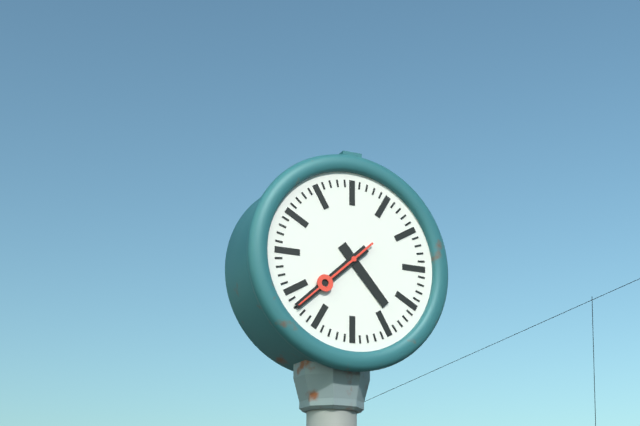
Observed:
4h38m38s
